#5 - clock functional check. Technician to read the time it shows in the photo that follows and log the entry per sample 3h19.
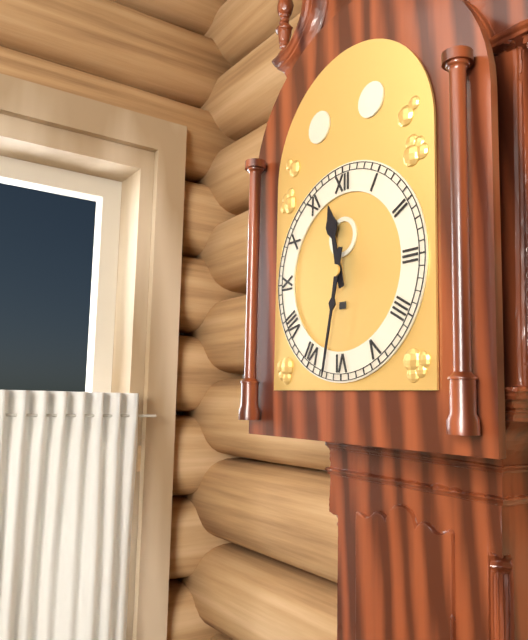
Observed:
11h32
